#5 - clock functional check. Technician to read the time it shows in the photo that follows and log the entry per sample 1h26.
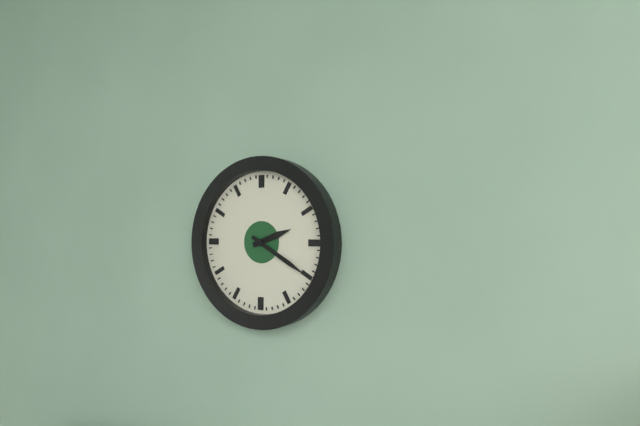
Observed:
2h20
